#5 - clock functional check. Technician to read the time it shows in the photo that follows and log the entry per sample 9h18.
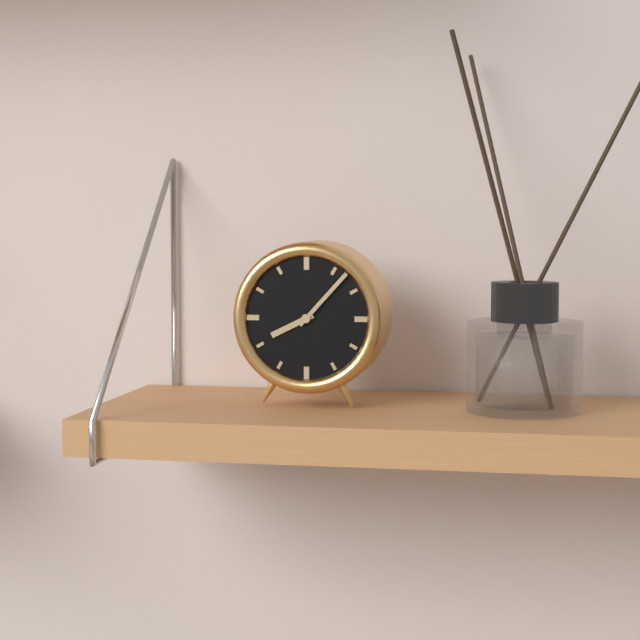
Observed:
8h07
